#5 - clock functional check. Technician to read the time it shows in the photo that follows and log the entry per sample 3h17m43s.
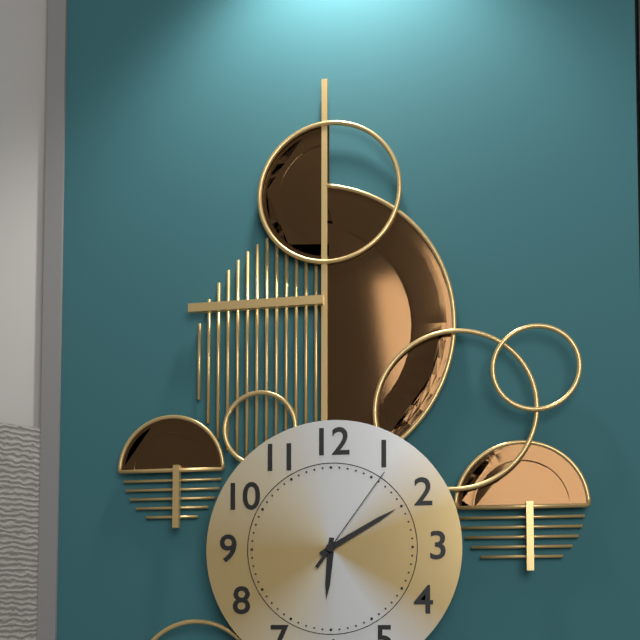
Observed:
6h10m06s
